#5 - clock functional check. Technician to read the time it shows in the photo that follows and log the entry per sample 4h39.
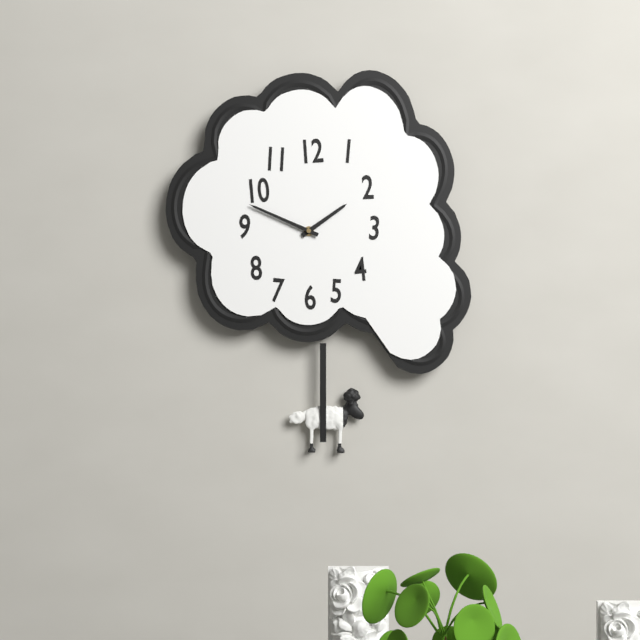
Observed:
1h49
